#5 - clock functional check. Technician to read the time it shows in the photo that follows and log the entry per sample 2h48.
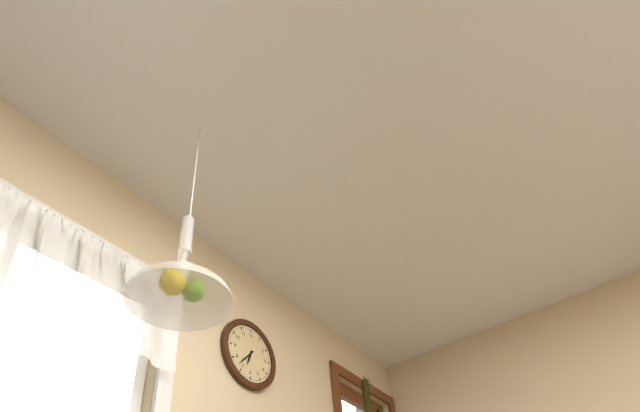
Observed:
6h37
